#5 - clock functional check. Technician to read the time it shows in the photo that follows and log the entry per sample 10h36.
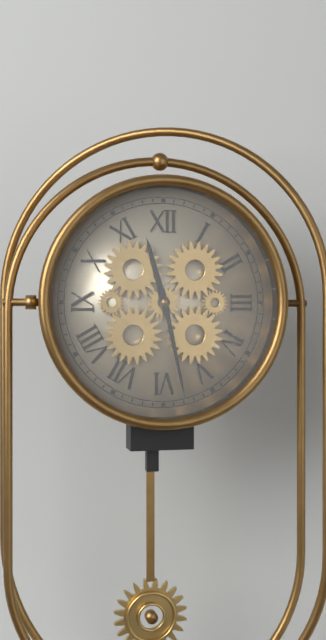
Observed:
11h28
